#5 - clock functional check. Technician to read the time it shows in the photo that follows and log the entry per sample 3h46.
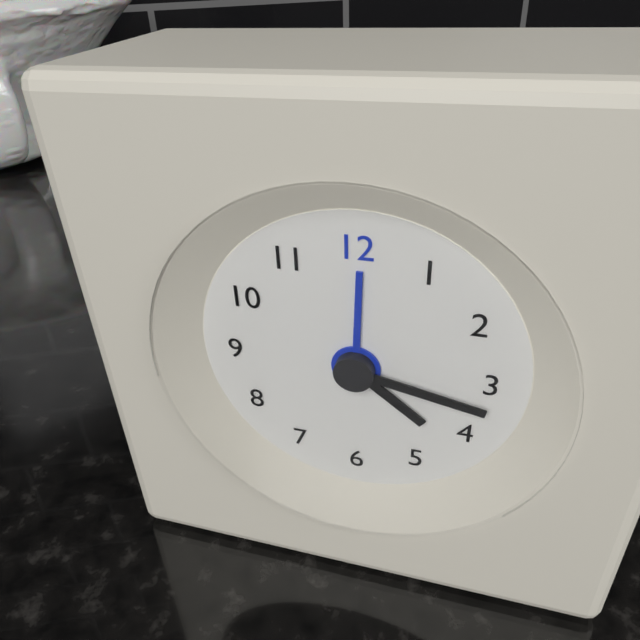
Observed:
4h17
